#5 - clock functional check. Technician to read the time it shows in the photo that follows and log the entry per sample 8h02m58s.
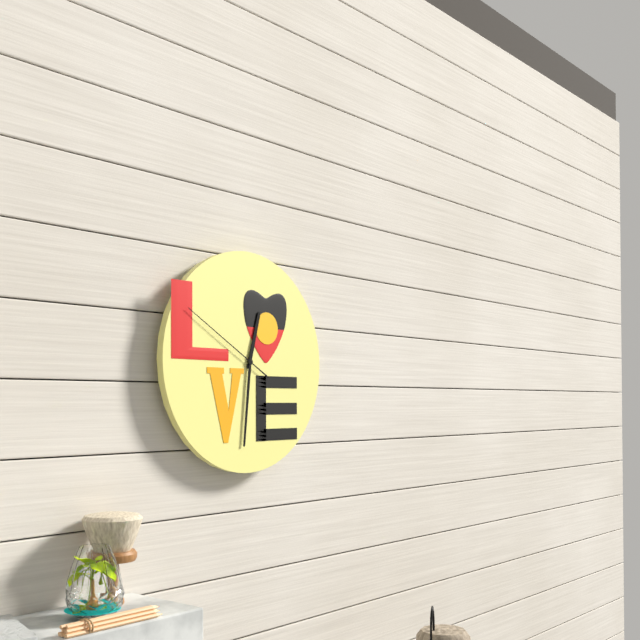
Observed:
12h31m50s
